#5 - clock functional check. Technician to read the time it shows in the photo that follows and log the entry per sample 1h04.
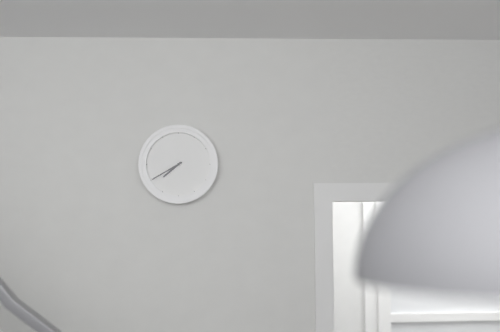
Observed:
7h40
